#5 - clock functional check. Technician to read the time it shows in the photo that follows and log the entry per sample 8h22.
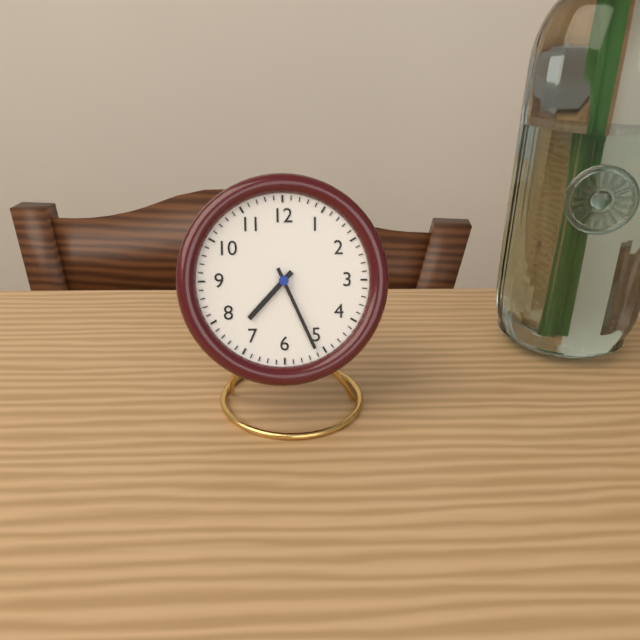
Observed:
7h26
